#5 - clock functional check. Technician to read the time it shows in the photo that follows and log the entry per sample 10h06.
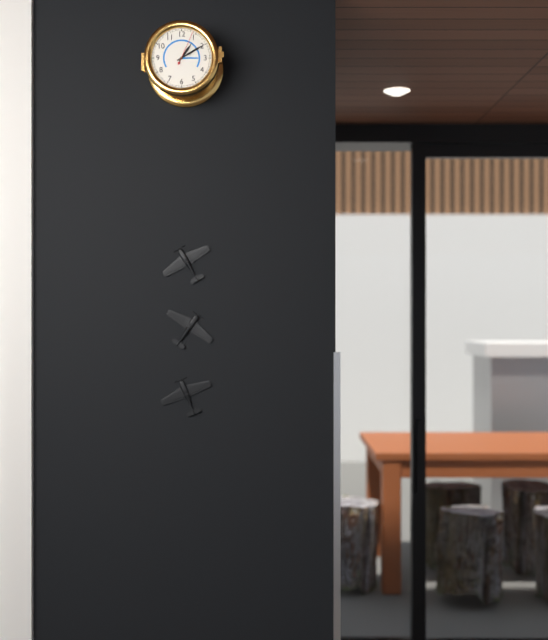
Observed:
1h10
